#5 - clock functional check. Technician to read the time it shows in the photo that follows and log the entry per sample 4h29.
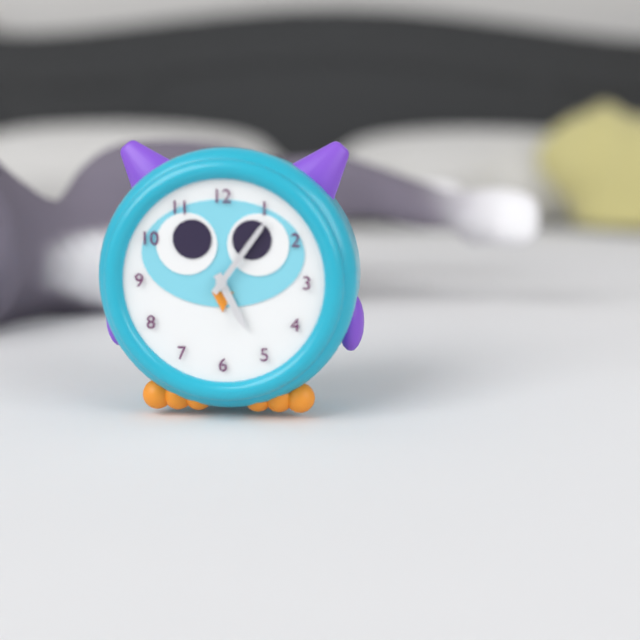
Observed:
5h06
